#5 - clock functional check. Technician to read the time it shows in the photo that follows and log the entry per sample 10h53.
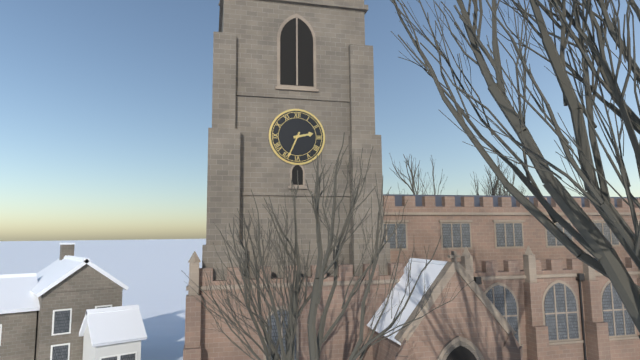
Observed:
2h34
